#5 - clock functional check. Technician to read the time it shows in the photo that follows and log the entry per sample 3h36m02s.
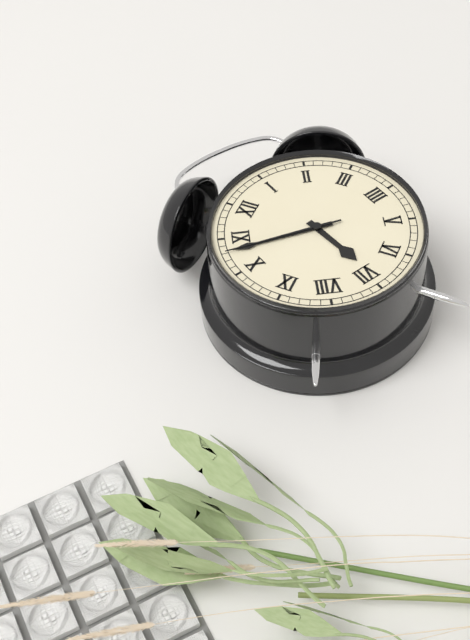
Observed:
6h53m53s
